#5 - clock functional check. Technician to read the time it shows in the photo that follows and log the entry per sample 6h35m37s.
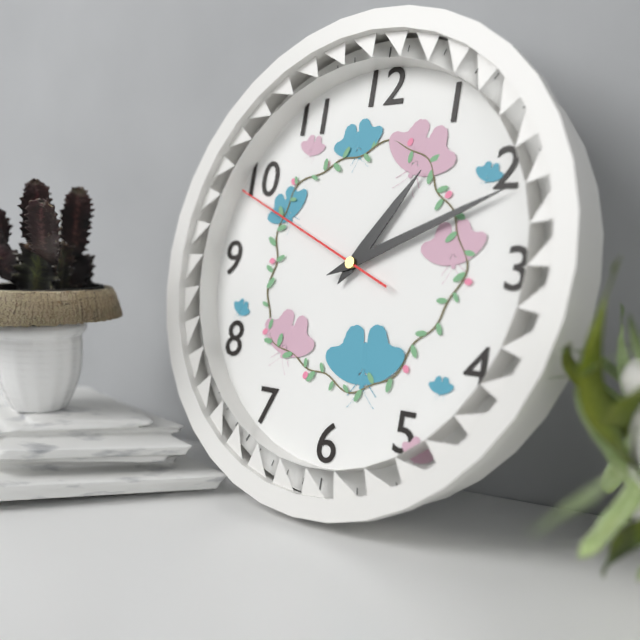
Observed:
1h11m49s
